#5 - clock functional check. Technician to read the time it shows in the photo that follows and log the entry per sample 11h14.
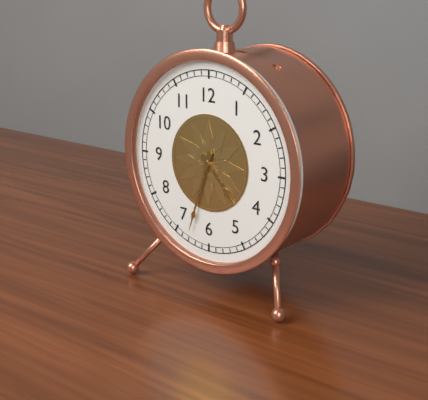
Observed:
4h33
